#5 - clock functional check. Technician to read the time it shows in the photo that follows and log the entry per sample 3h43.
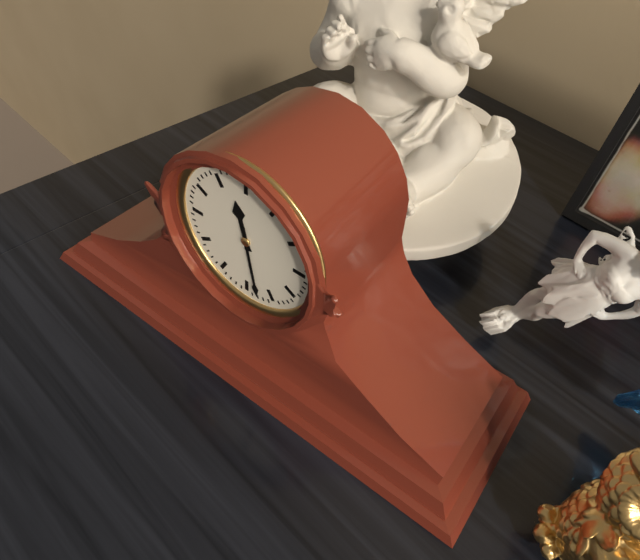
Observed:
11h28
